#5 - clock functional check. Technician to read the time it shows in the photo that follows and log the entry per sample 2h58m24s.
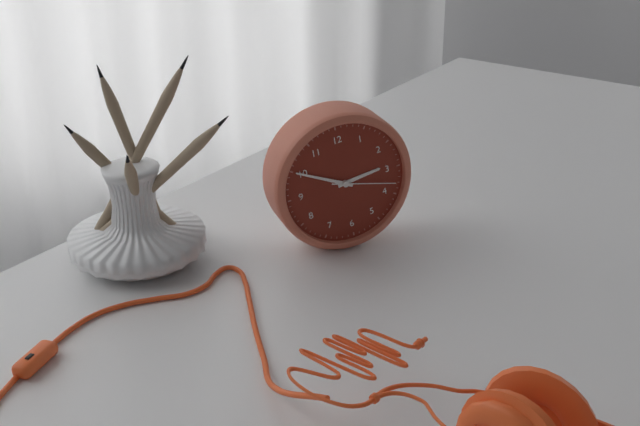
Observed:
2h50m18s
